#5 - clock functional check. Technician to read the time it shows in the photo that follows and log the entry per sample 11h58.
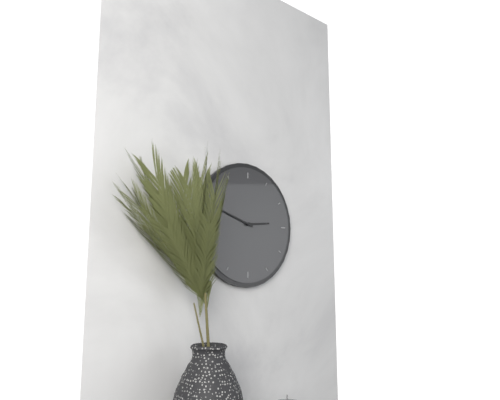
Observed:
2h48
